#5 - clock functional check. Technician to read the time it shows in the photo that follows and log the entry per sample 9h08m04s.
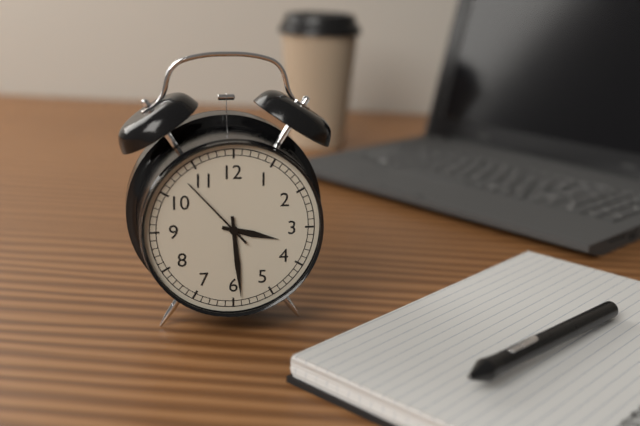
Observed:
3h29m53s
